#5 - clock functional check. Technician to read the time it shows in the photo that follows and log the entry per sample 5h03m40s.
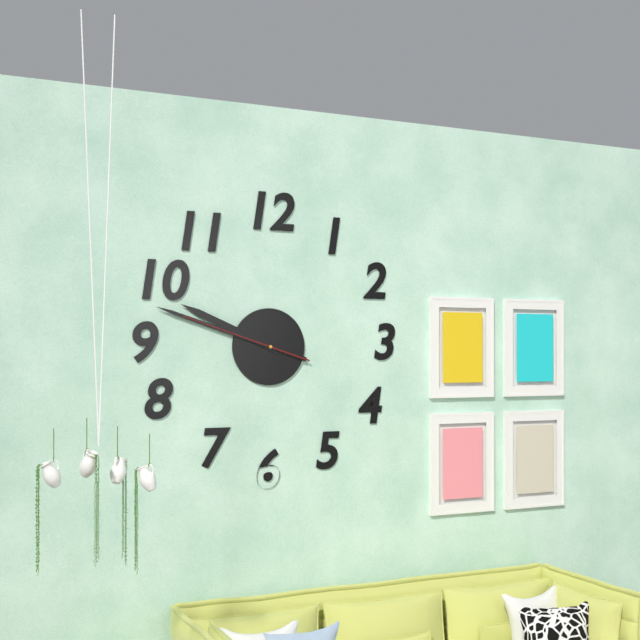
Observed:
9h48m48s
